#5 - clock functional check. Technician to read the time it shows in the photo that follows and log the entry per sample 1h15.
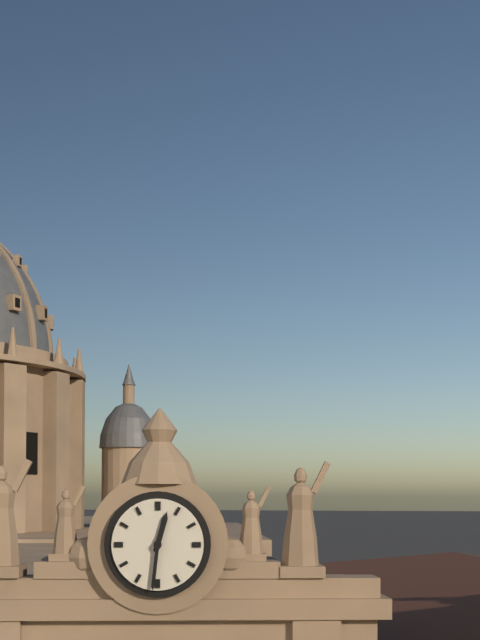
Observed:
12h31
